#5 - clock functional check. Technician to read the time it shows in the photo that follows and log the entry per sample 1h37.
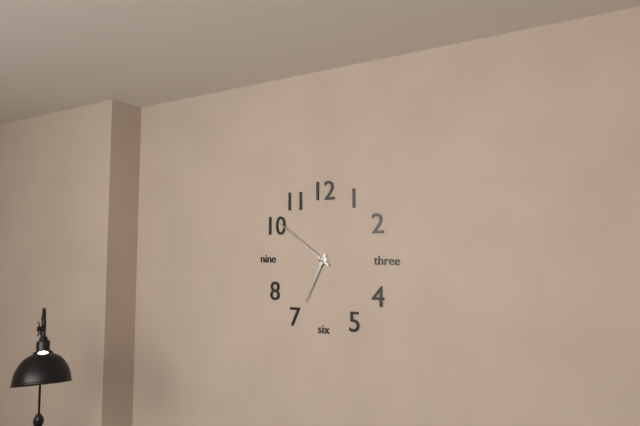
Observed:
6h51
